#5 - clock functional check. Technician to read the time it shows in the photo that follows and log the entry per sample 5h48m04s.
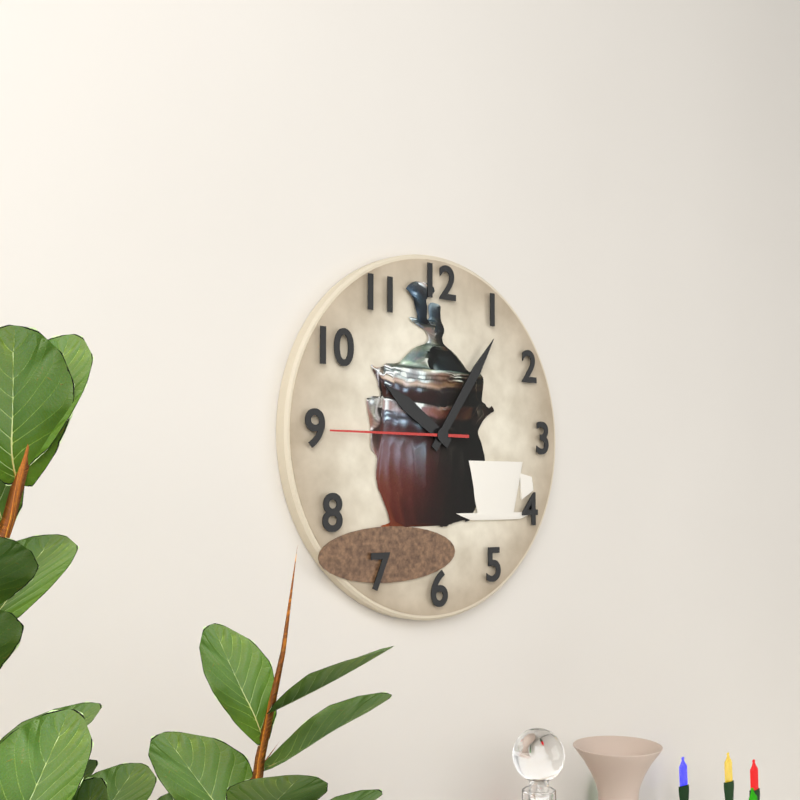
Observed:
10h06m45s
